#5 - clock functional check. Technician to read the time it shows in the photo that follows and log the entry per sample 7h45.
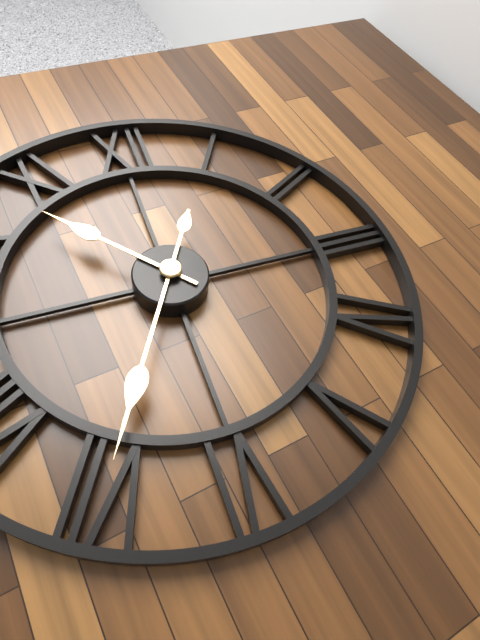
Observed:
10h35
